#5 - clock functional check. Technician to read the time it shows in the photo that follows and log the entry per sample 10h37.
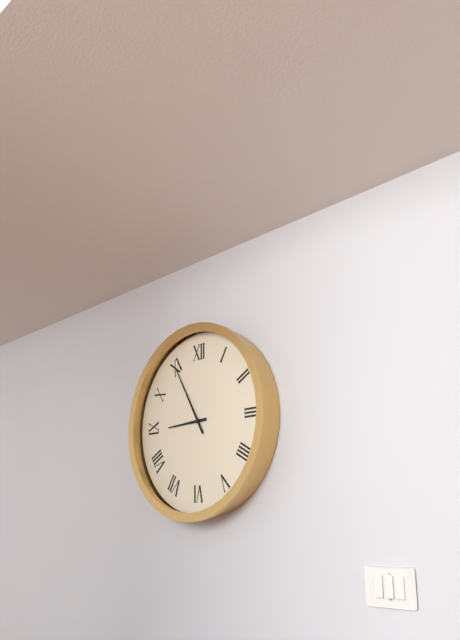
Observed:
8h55
